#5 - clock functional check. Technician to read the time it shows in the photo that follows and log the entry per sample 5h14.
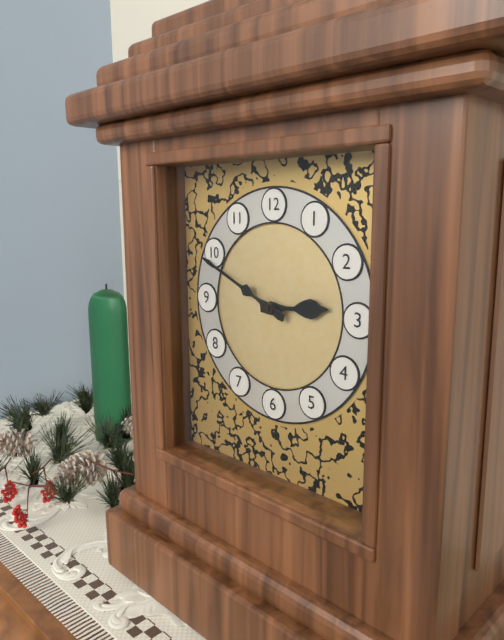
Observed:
2h49
